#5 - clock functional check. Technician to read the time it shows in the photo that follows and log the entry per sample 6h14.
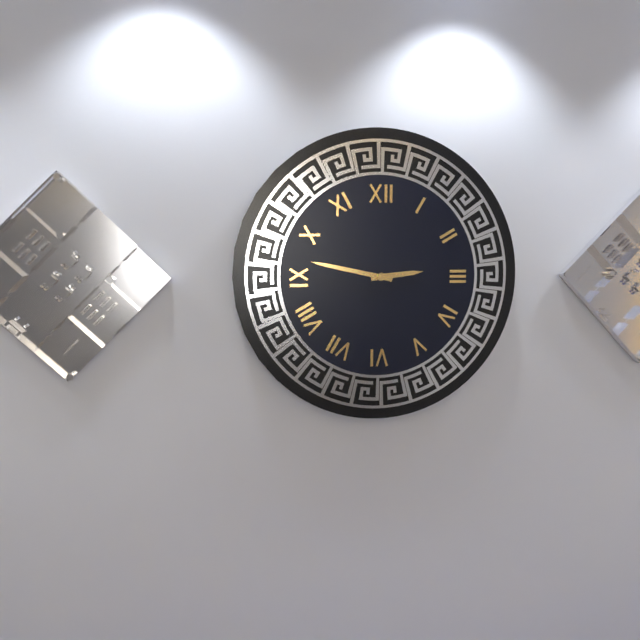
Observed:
2h47
